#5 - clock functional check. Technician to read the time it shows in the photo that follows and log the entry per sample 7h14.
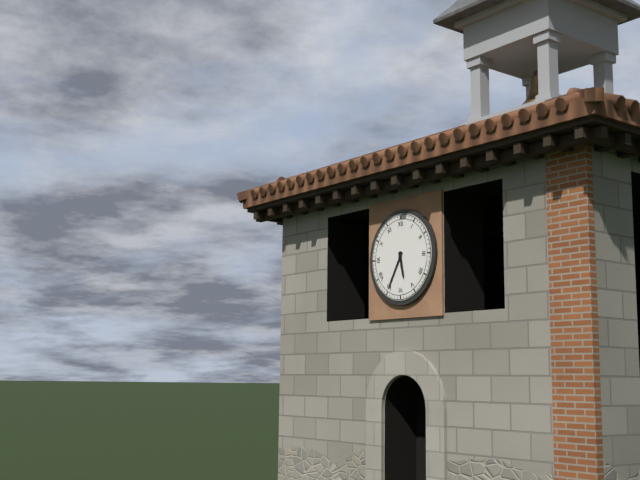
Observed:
5h35
